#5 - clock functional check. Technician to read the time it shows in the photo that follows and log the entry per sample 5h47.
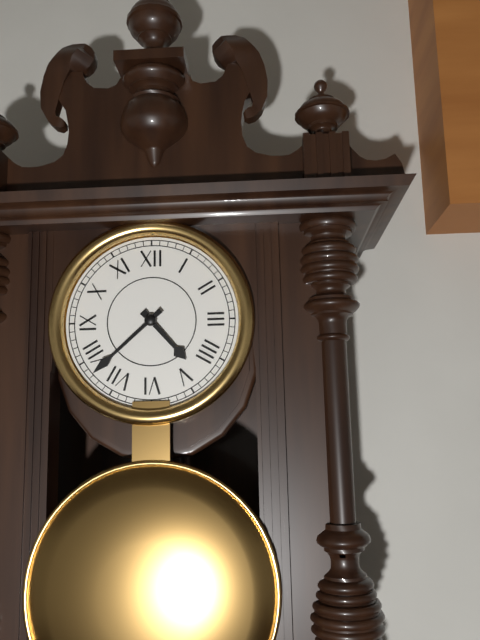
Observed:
4h38
